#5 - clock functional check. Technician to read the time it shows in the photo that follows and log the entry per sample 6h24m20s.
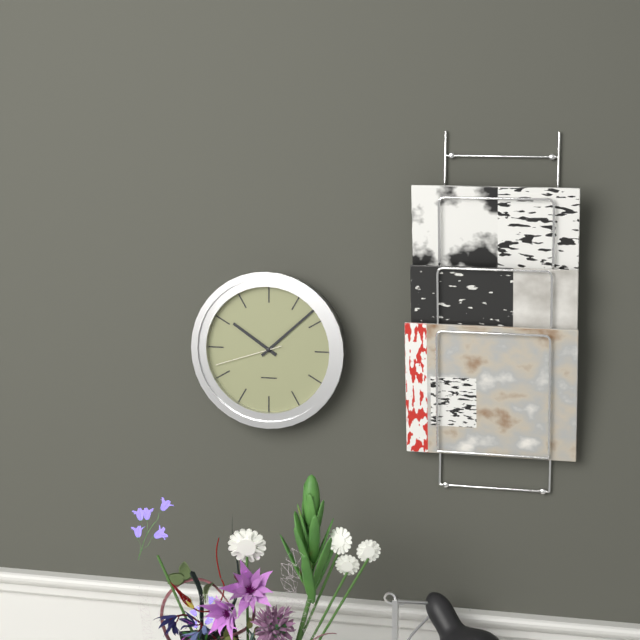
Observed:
10h08m42s
